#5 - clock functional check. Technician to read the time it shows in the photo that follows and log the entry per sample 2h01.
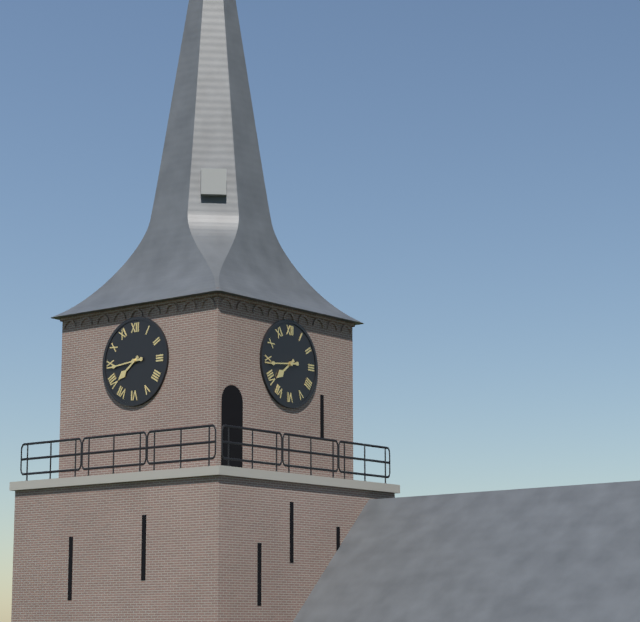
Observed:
7h44
